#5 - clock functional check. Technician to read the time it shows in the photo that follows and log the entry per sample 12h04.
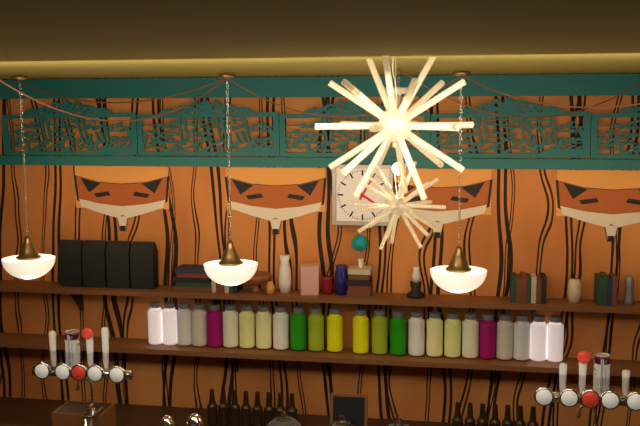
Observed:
4h05
